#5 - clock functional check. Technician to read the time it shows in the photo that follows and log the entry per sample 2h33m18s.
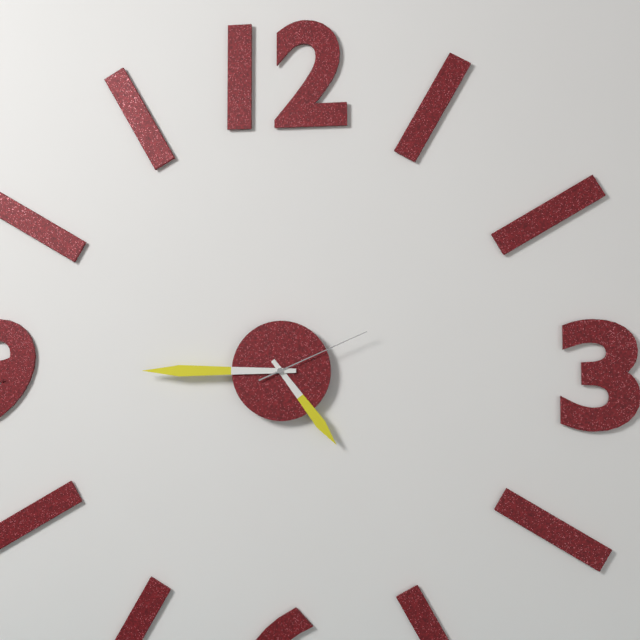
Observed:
4h45m11s
